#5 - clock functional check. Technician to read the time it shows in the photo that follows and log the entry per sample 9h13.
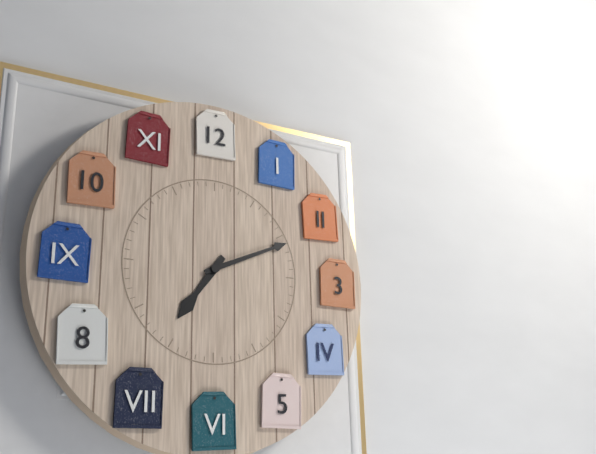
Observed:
7h11
